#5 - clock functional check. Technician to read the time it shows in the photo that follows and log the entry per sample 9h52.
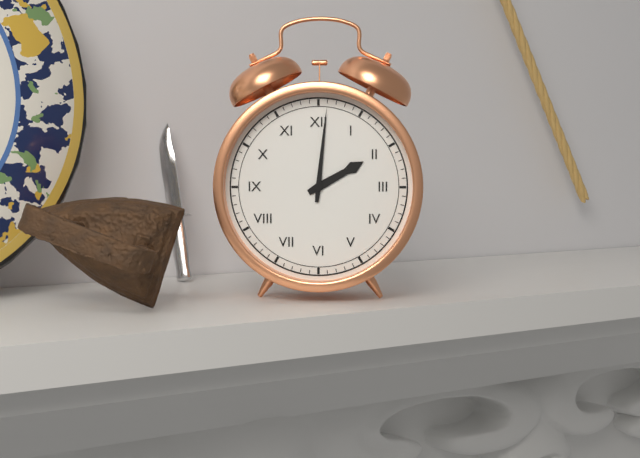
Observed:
2h01
